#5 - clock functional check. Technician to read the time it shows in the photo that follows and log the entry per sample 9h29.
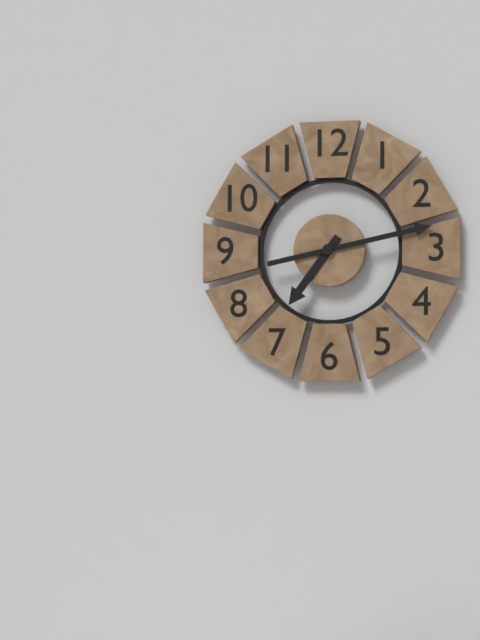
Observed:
7h13
